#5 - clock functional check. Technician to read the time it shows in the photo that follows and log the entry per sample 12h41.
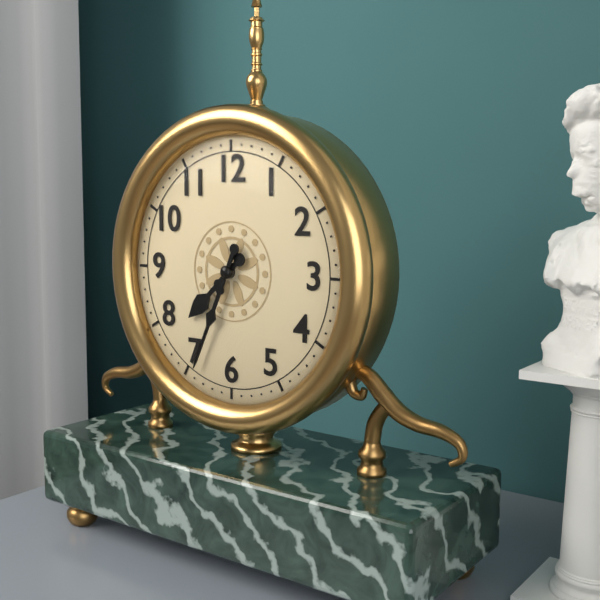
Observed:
7h34
